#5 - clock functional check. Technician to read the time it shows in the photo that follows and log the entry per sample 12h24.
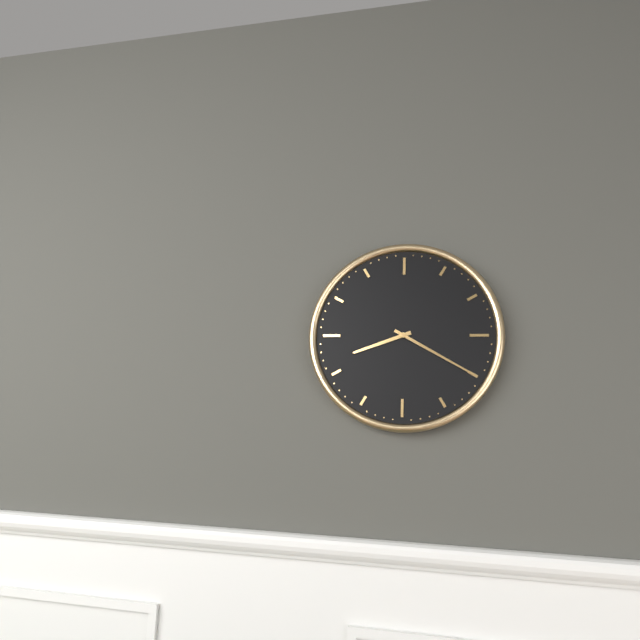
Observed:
8h20
